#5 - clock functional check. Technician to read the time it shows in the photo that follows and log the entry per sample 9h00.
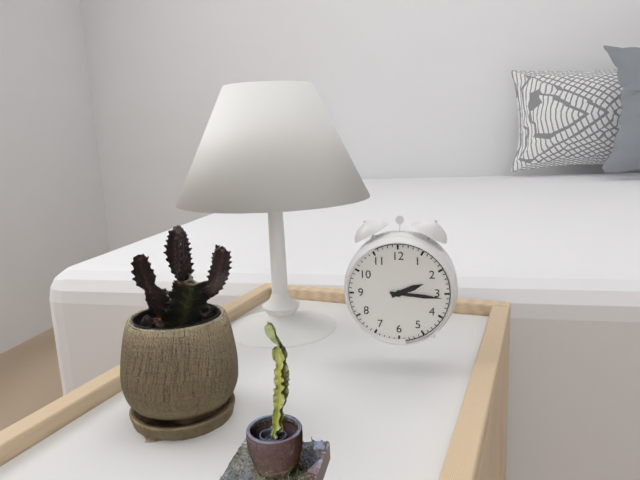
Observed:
2h16
